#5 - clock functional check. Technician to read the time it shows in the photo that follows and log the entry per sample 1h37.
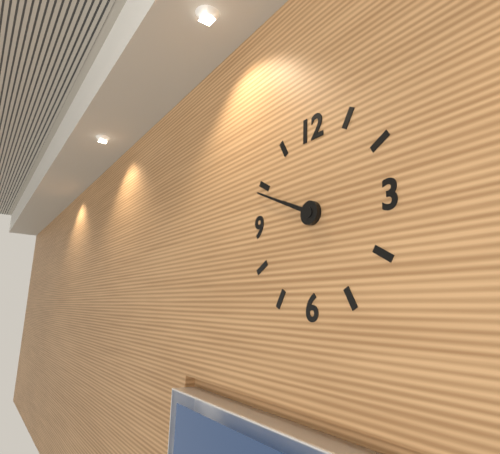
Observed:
9h49
